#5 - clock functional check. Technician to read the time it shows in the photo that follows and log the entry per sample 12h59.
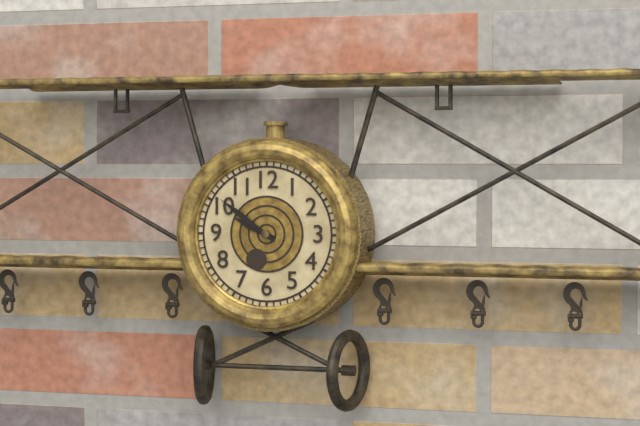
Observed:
9h51
